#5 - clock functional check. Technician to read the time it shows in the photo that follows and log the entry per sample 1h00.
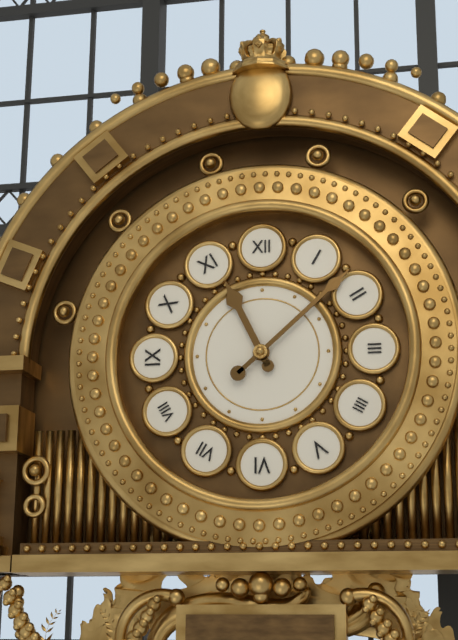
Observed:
11h08
